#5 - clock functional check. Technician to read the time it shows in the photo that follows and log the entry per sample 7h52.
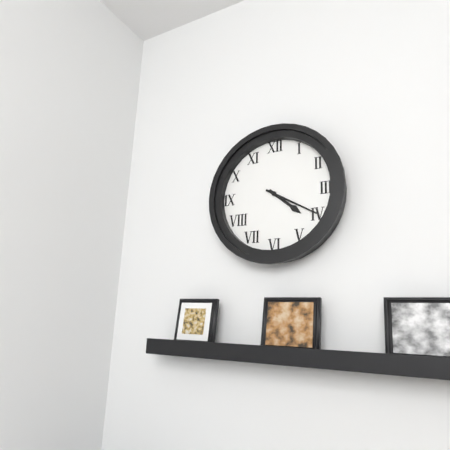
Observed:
4h20
